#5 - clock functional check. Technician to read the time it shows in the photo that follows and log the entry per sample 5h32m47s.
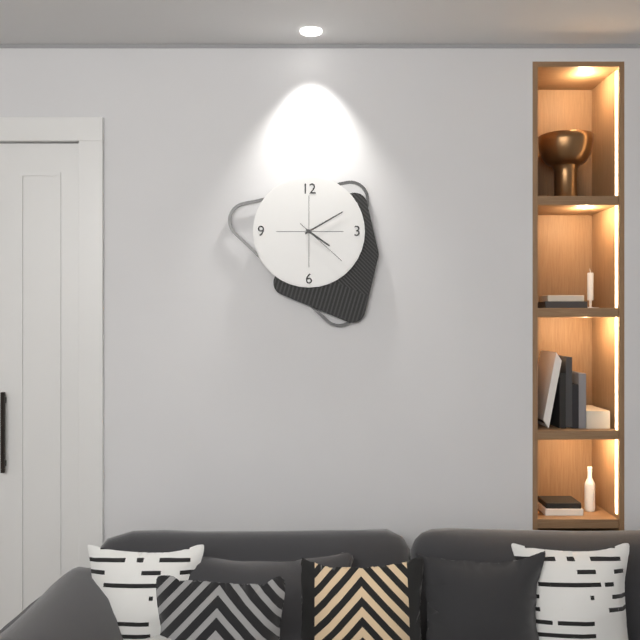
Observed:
4h10m22s
